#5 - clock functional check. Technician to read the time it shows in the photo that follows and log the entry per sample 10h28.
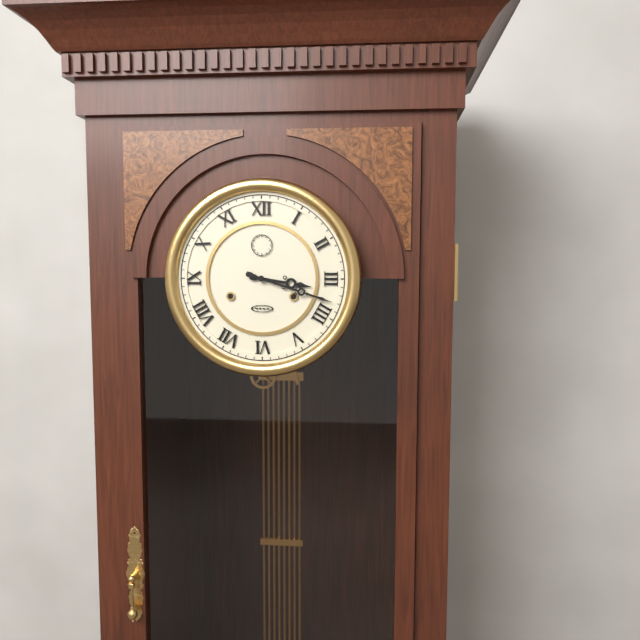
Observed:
3h18
